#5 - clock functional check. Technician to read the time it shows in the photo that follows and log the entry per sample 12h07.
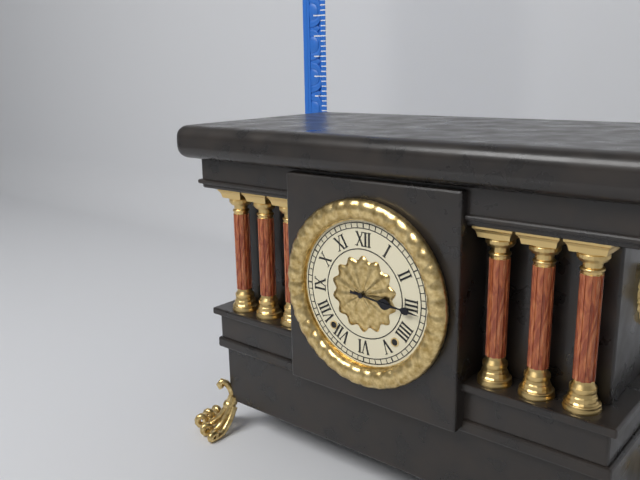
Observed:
3h16
